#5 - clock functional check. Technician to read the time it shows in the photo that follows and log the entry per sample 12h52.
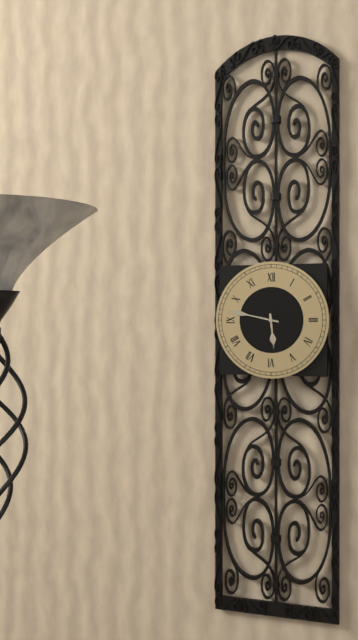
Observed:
5h47
